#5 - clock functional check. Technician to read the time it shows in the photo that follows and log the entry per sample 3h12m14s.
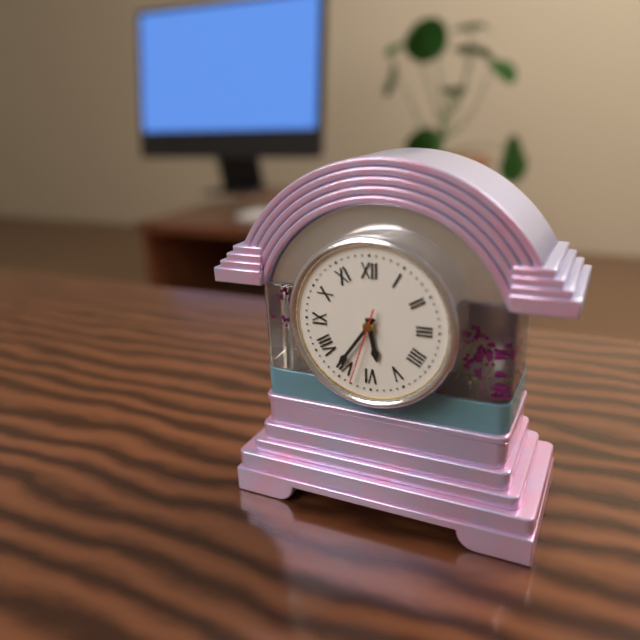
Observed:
5h36m33s
